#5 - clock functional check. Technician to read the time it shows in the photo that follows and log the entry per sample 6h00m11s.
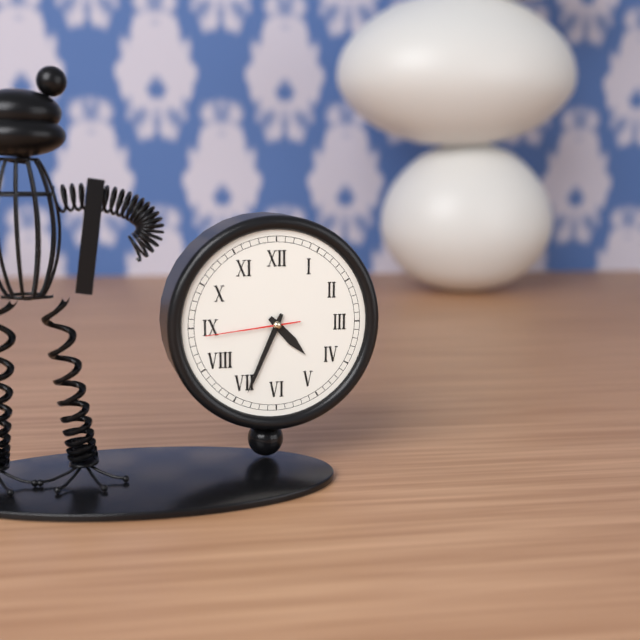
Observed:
4h34m44s
